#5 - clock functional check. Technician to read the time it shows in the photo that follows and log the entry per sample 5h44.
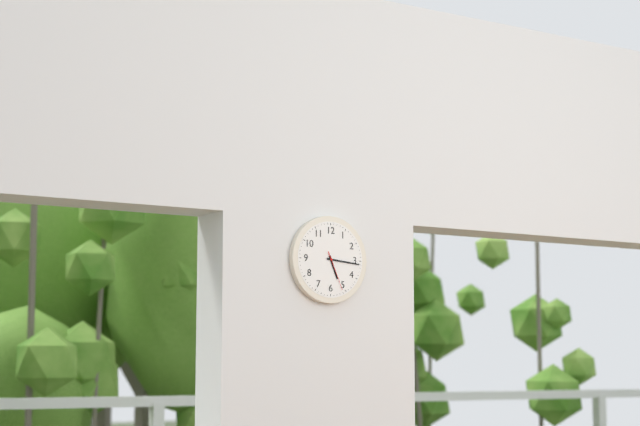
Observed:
5h16
